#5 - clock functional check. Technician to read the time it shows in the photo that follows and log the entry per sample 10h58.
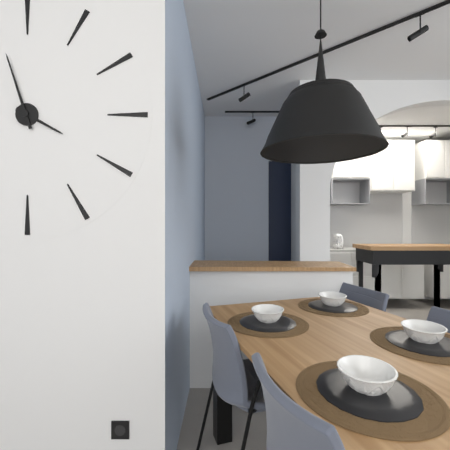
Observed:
3h57
